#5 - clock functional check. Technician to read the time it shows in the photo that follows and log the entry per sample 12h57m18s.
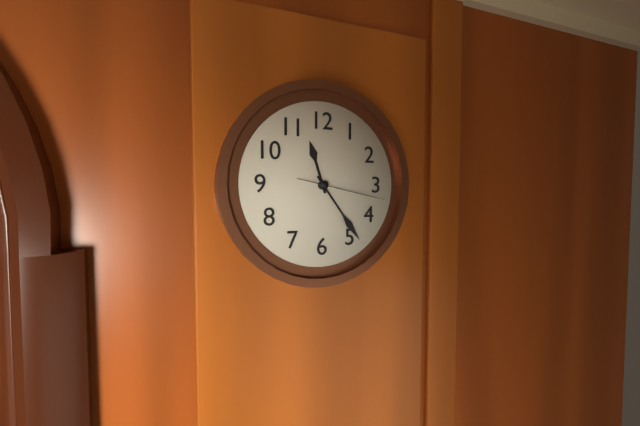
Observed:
11h24m17s
